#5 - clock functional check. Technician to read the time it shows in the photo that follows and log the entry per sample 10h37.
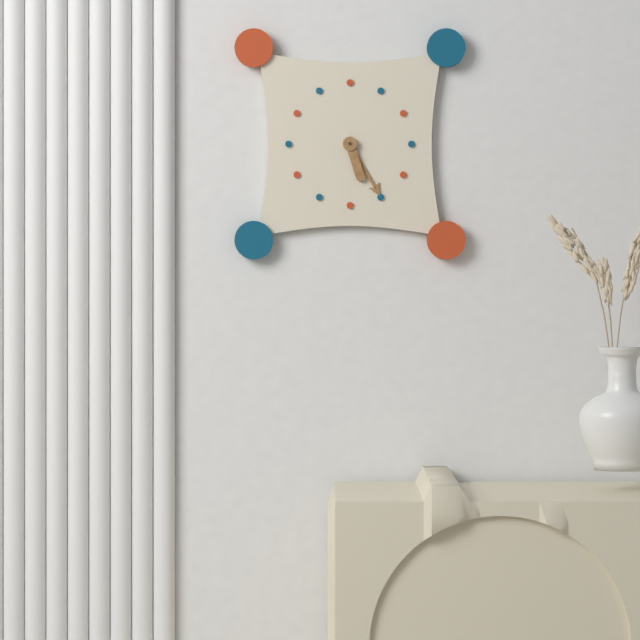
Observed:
5h25
